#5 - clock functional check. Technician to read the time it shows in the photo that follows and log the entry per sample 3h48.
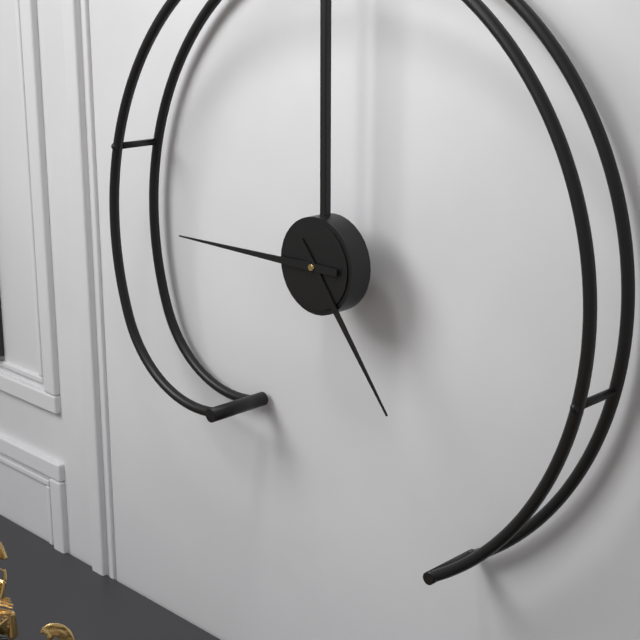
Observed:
4h45
